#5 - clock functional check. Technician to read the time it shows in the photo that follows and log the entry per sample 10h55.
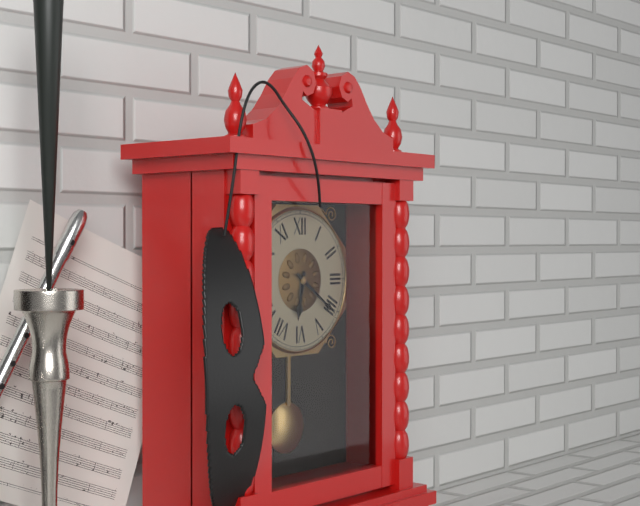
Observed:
6h21
